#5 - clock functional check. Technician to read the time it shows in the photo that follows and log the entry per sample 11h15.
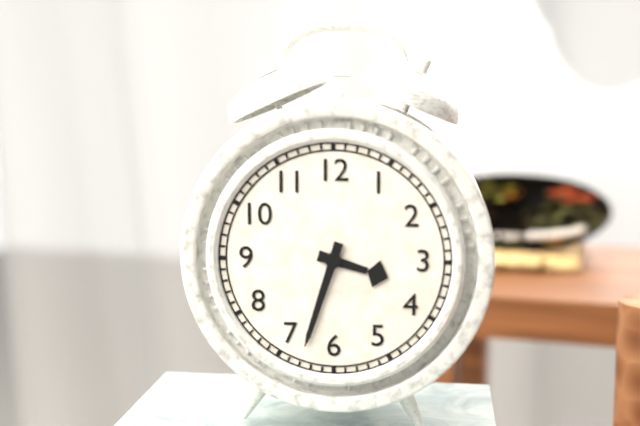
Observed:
3h33
